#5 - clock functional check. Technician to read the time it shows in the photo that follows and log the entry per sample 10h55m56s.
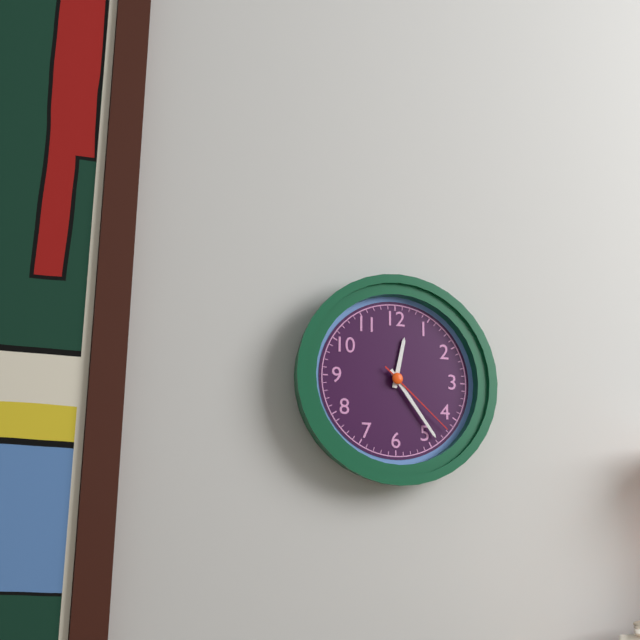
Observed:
12h24m22s
